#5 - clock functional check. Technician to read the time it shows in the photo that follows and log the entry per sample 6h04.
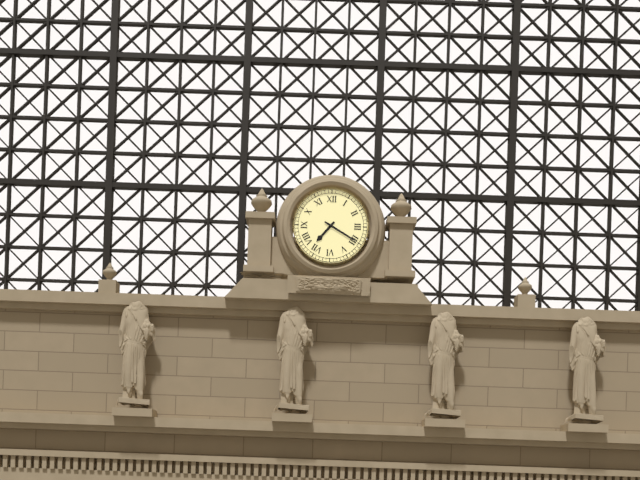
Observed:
7h20
